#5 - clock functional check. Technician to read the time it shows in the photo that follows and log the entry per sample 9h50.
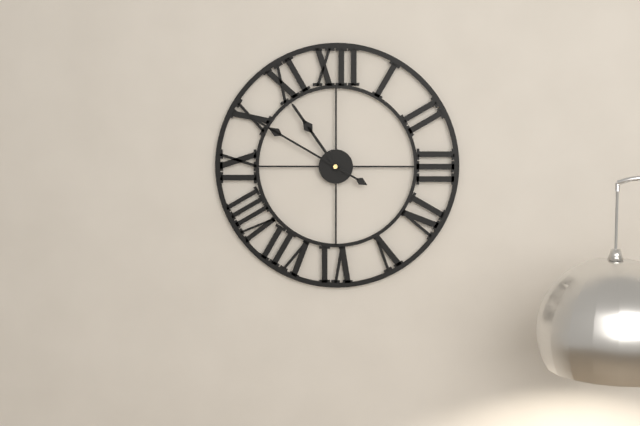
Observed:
10h50
